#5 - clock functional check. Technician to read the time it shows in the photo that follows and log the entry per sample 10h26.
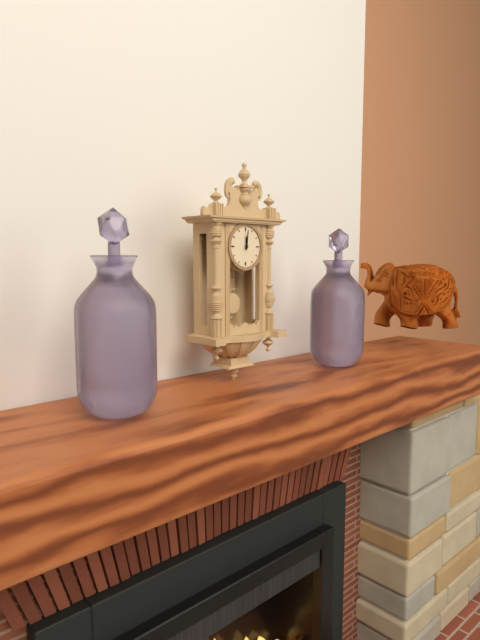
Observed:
12h01
